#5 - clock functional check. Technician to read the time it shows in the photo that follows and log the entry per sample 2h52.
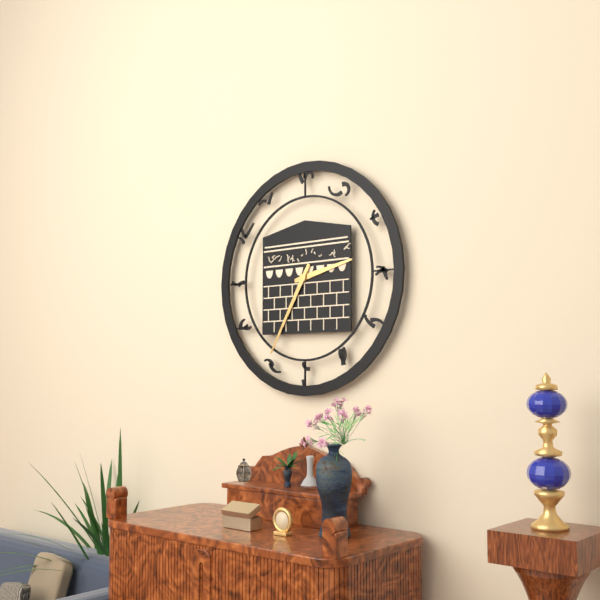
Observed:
2h35
